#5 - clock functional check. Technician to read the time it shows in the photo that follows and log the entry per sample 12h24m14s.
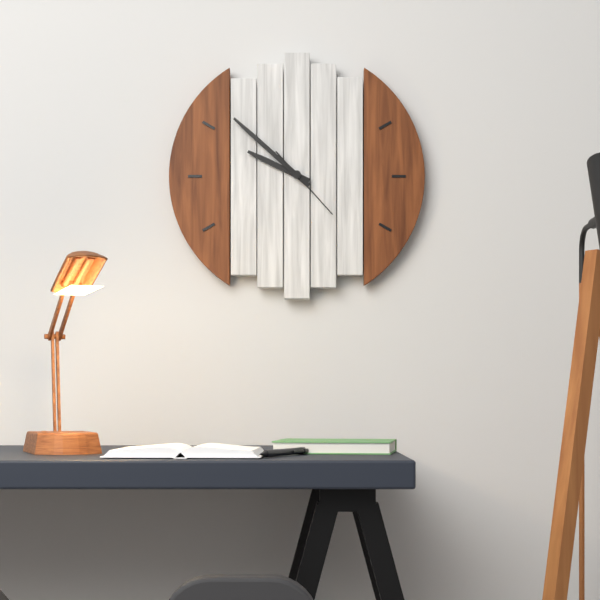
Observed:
9h52m23s
